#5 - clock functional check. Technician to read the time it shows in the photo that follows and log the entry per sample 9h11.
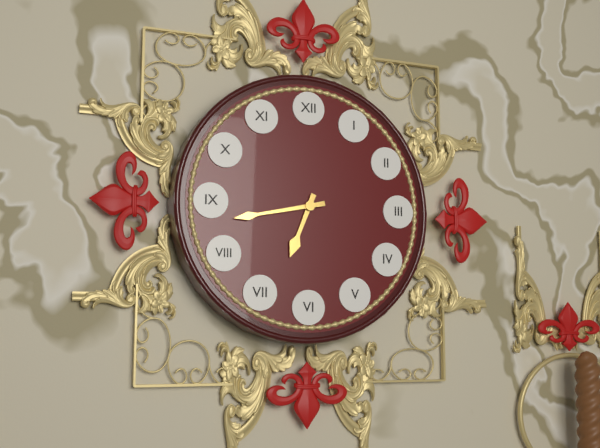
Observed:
6h43
